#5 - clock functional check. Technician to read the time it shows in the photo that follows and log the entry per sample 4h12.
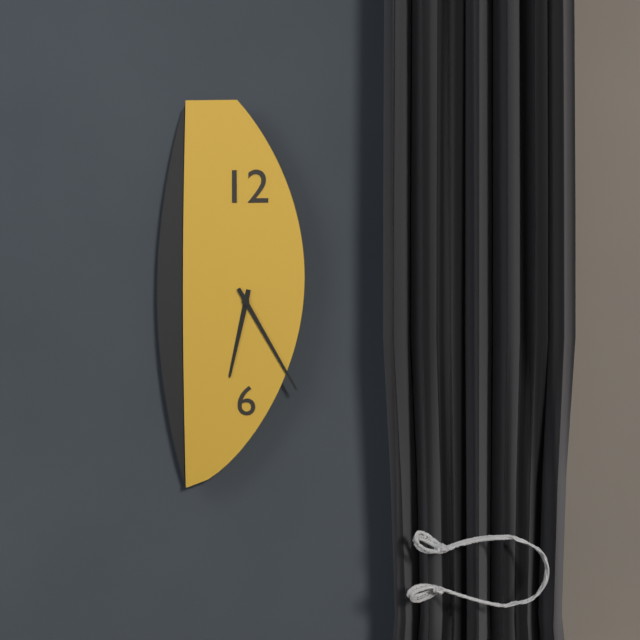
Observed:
6h25
